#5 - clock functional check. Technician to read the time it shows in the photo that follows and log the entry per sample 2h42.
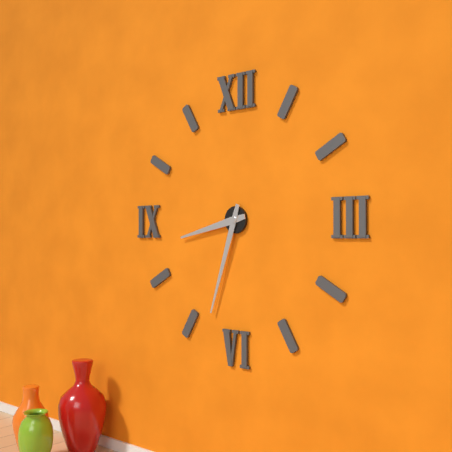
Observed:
8h33
